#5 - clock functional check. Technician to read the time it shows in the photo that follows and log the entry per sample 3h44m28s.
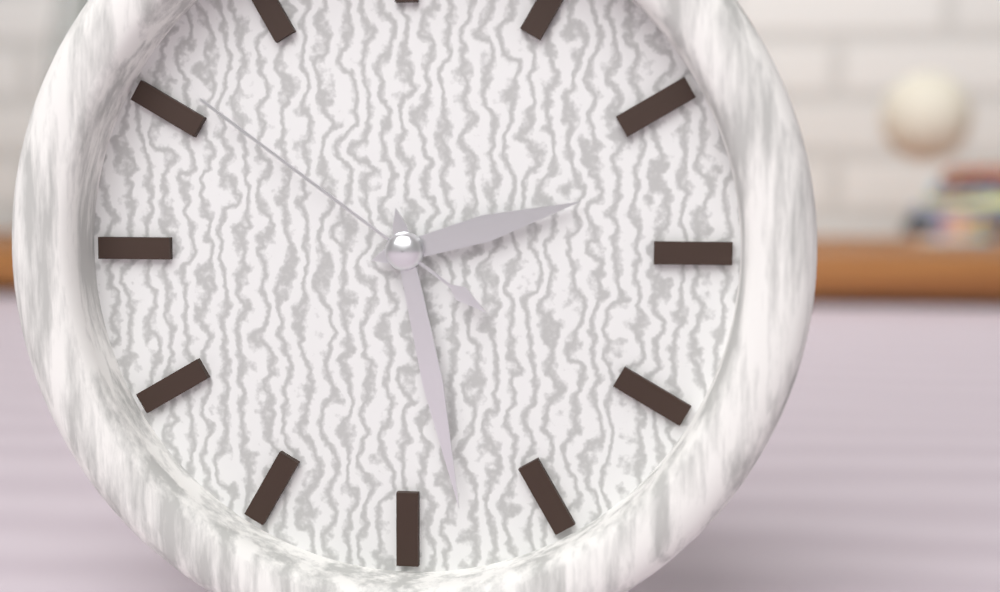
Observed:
2h28m51s
